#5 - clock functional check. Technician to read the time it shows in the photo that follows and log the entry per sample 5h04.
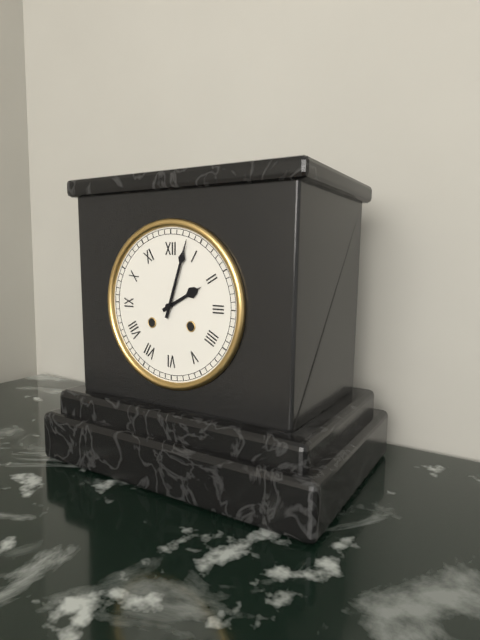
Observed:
2h03
